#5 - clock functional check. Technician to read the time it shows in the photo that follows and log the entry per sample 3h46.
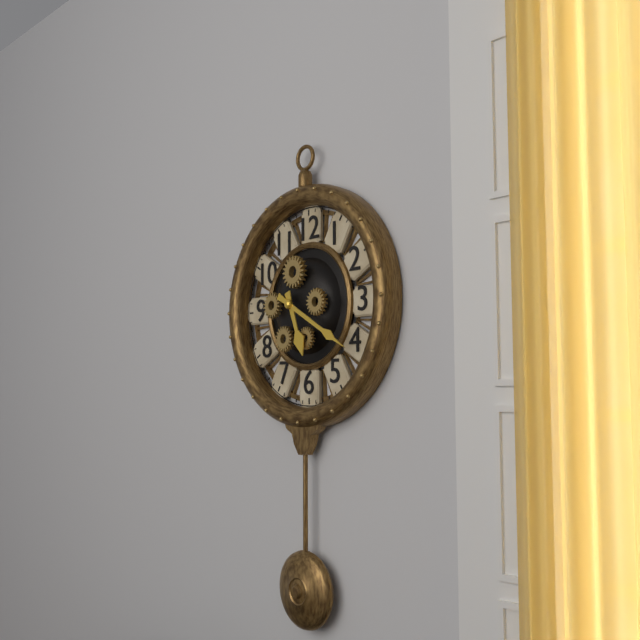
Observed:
5h20
